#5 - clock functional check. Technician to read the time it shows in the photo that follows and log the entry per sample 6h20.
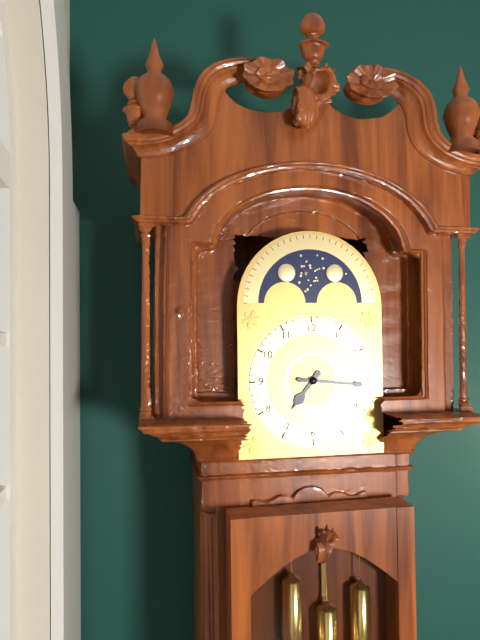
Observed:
7h16
